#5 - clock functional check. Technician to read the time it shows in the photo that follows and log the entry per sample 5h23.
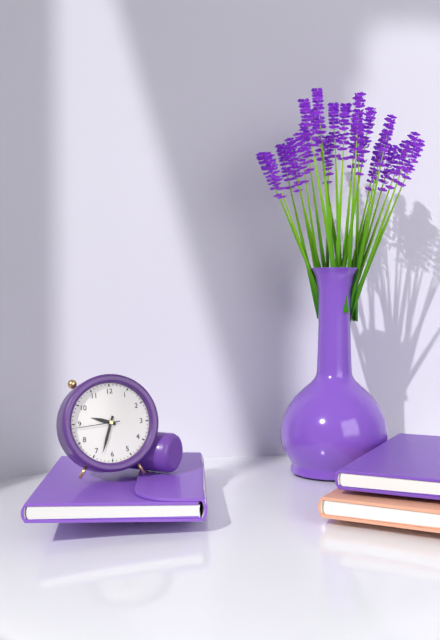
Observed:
9h33
